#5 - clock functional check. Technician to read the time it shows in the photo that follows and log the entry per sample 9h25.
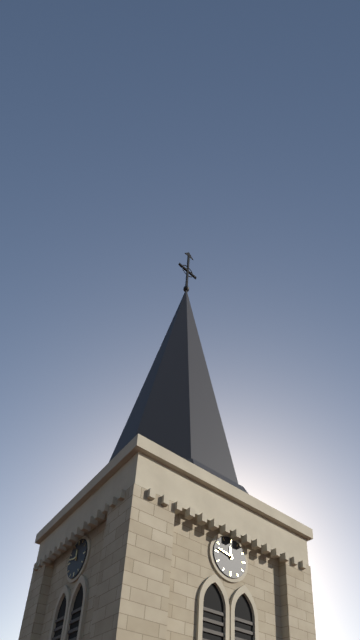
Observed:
11h47
